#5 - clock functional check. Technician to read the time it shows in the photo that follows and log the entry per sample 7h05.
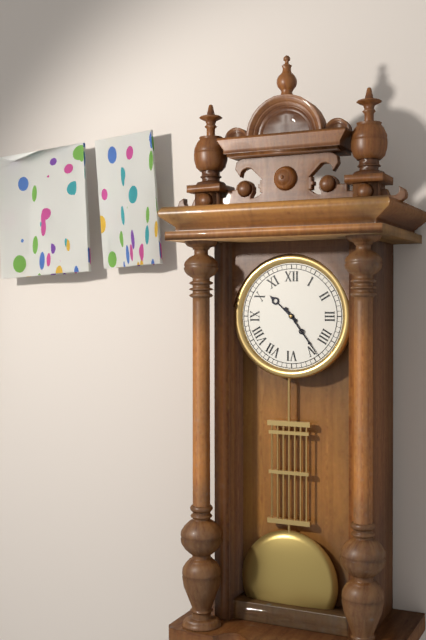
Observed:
10h24
